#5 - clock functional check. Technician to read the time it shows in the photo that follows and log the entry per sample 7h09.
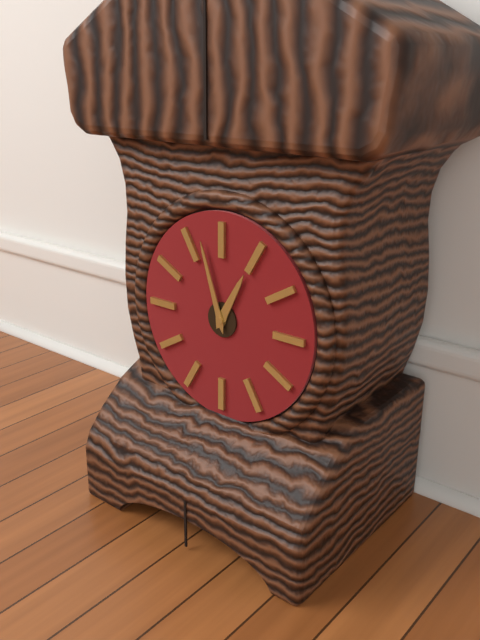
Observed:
12h57
